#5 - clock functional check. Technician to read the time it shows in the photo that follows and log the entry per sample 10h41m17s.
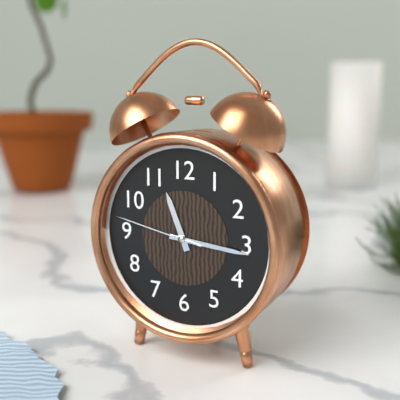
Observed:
11h16m47s
